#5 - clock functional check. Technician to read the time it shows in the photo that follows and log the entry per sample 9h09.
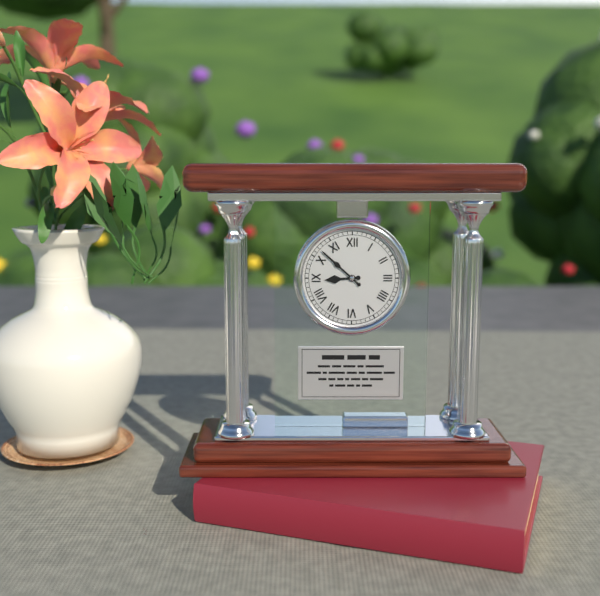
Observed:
8h52
